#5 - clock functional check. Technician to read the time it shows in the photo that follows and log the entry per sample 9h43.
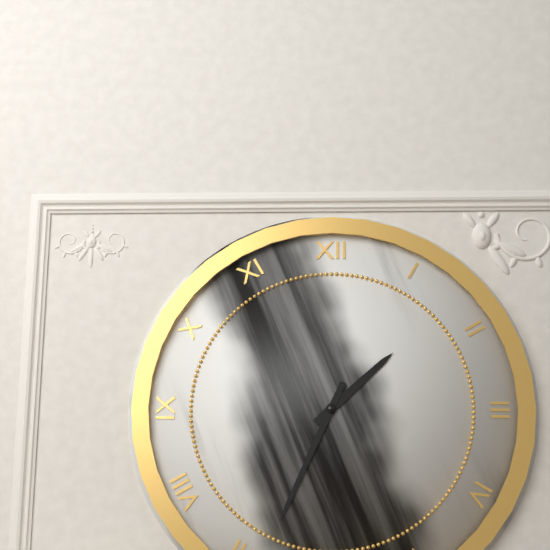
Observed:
1h34
